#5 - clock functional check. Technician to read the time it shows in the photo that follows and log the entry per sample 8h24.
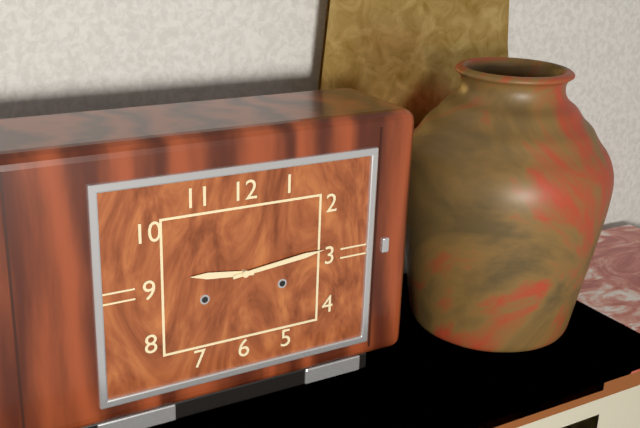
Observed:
9h14
